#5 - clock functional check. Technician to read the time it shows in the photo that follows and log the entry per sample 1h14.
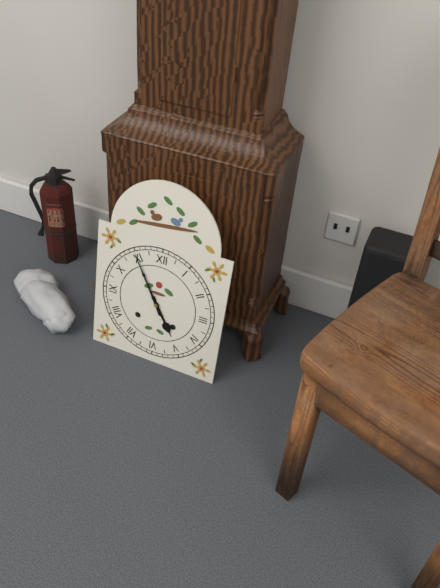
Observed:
4h55
